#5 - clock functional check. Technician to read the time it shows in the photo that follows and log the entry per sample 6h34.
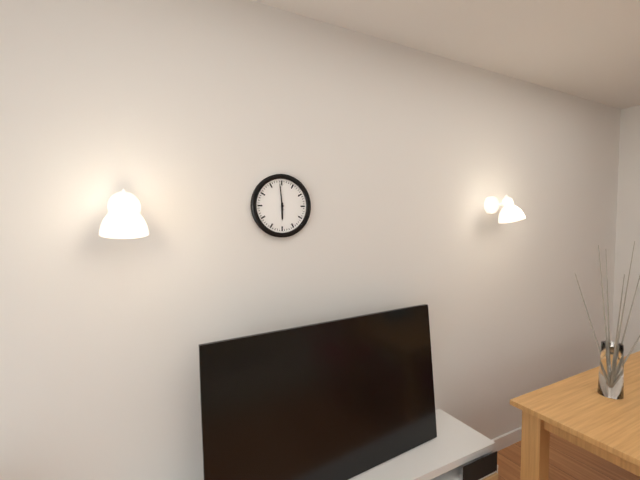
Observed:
5h59
